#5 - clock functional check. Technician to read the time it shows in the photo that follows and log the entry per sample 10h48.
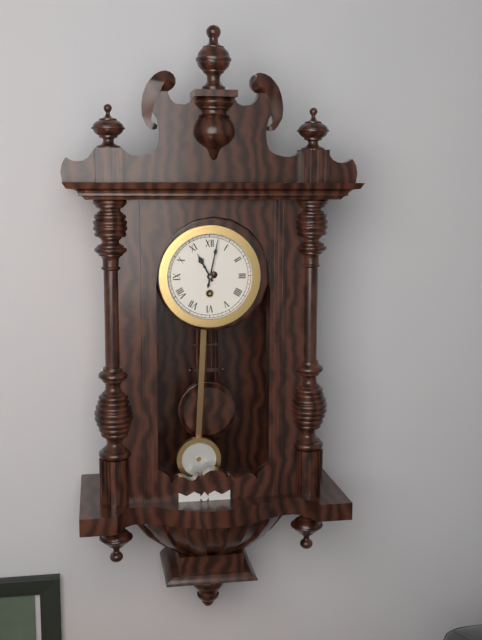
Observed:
11h02
